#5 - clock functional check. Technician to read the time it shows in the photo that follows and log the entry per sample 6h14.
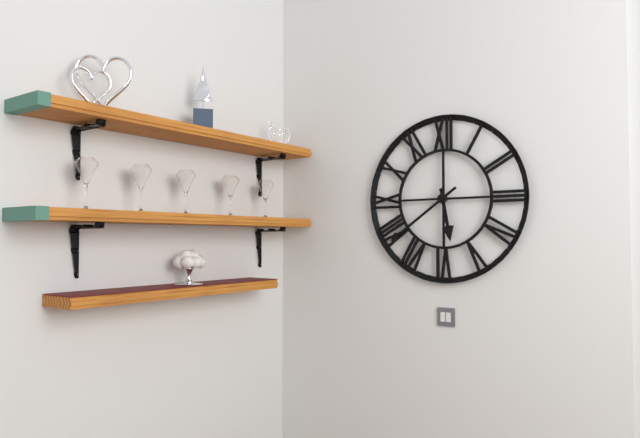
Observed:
5h39
